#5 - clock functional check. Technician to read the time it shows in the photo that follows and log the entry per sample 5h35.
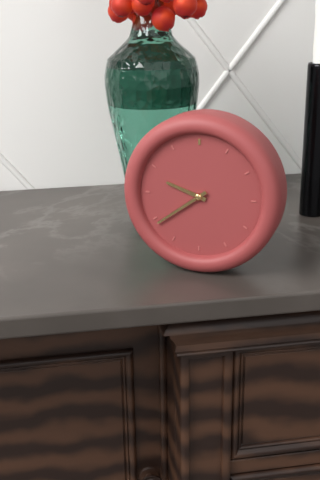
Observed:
9h39
